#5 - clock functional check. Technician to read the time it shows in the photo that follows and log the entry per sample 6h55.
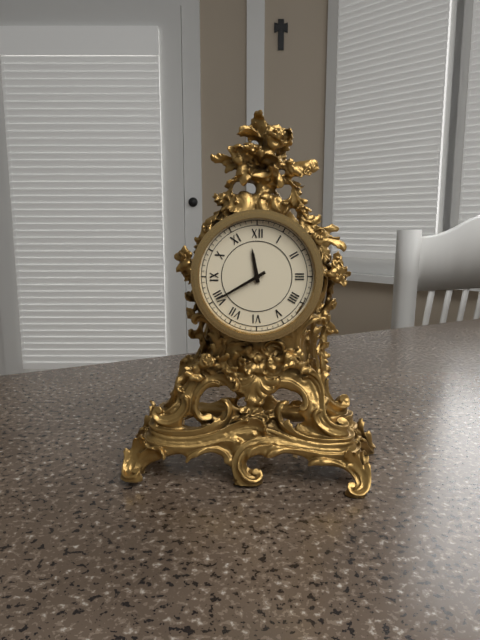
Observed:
11h40
